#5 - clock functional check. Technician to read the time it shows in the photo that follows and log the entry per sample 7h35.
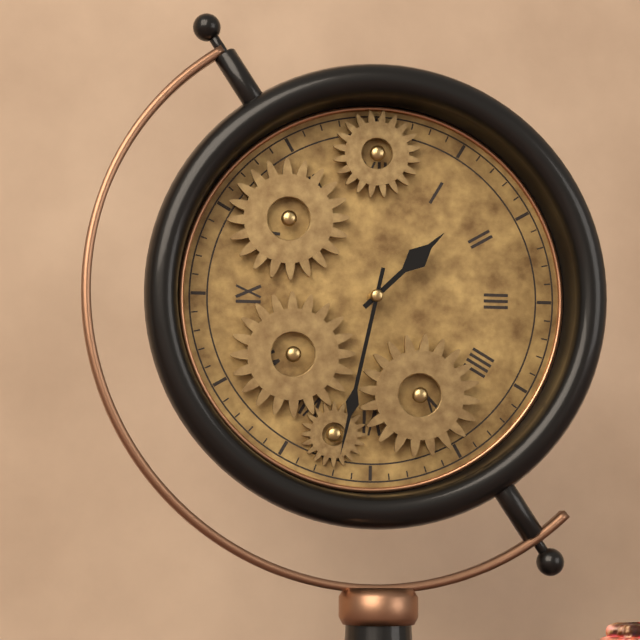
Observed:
1h32
